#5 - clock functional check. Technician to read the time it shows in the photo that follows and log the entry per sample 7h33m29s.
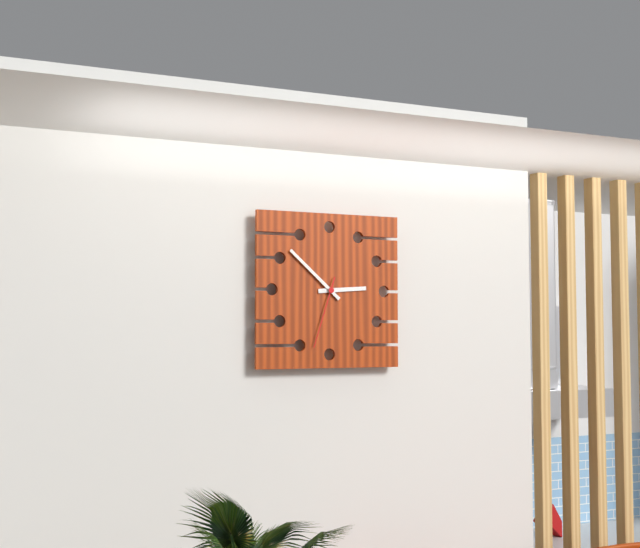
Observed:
2h52m33s
